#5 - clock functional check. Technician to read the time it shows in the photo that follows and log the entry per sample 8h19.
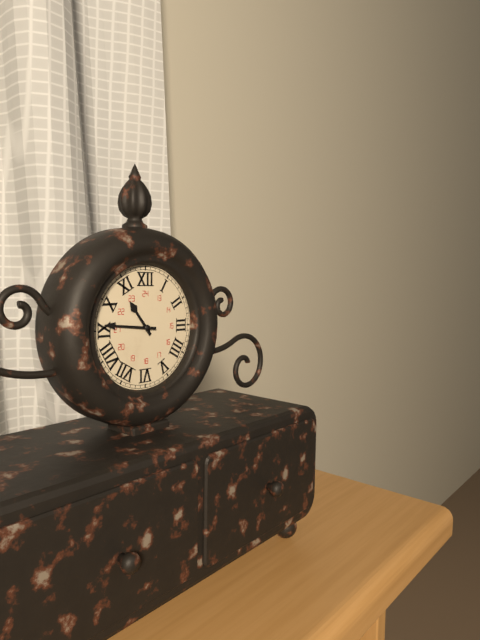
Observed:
10h46
